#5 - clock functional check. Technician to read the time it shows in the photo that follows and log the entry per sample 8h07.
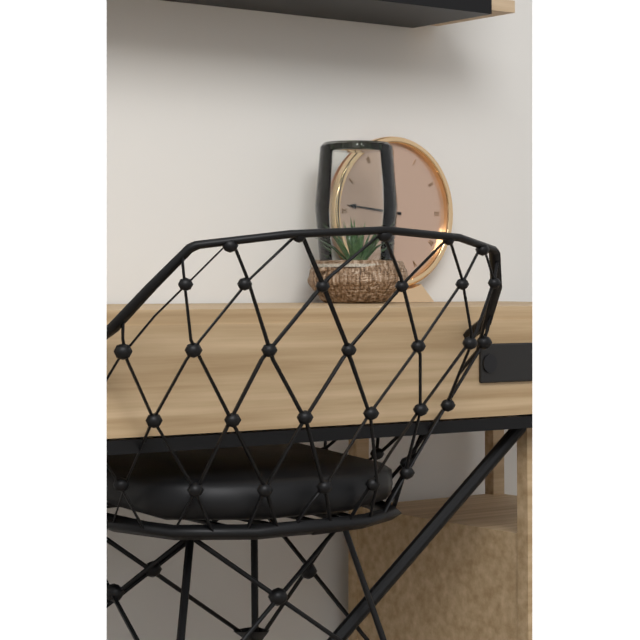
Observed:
11h46
